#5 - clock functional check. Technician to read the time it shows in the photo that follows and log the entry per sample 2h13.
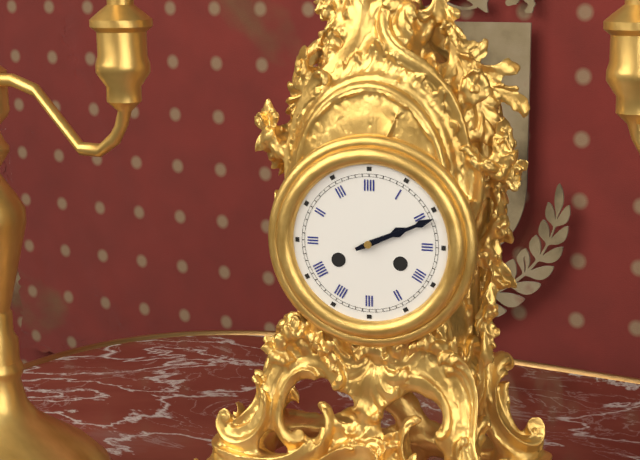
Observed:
2h11
